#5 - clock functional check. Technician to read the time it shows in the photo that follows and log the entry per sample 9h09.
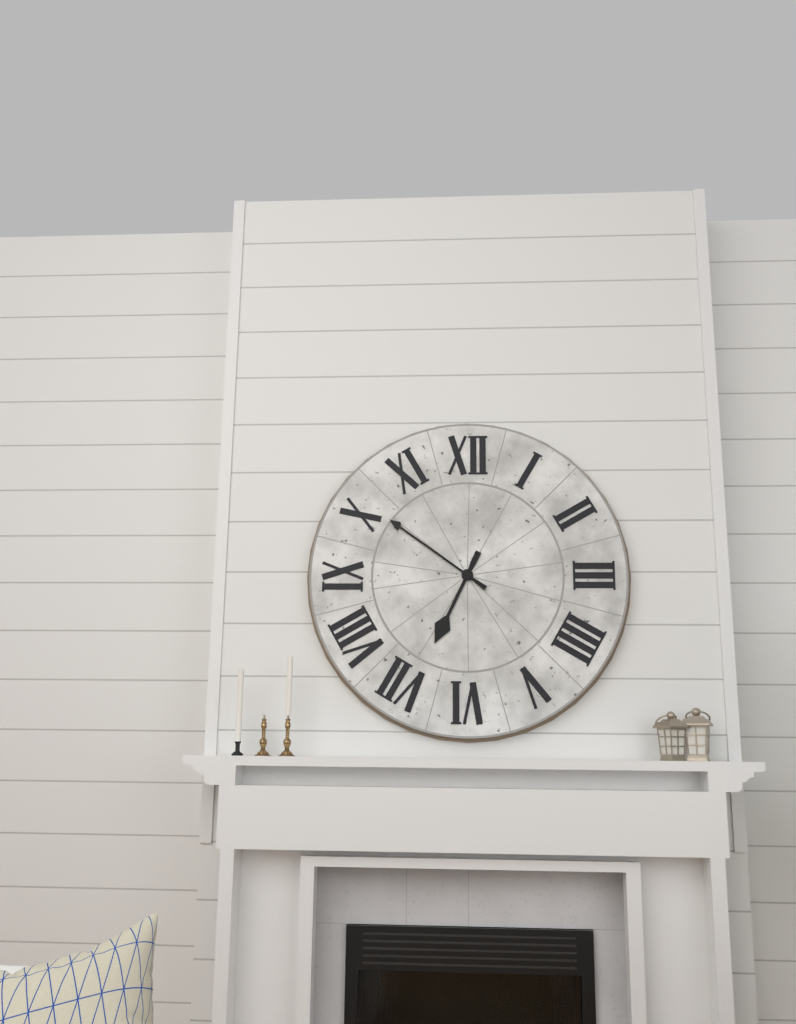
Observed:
6h51
